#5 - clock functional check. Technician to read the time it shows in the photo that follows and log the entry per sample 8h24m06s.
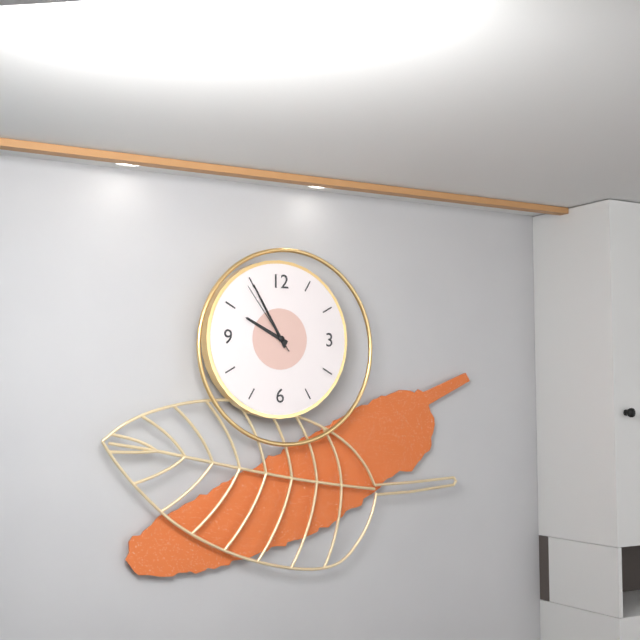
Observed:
9h55m54s
